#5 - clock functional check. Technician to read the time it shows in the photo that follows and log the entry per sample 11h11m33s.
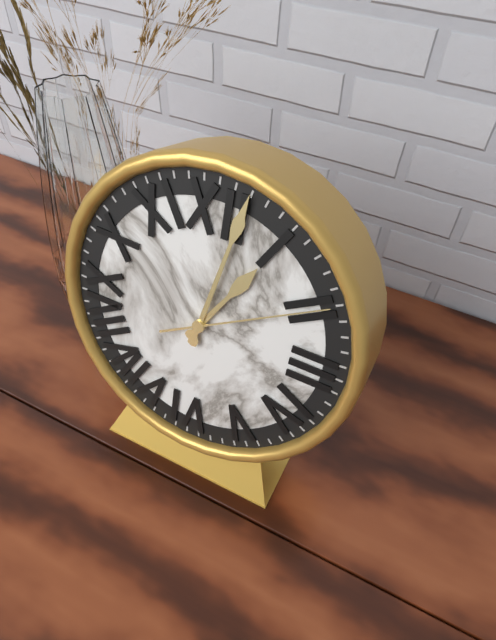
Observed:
1h02m10s
